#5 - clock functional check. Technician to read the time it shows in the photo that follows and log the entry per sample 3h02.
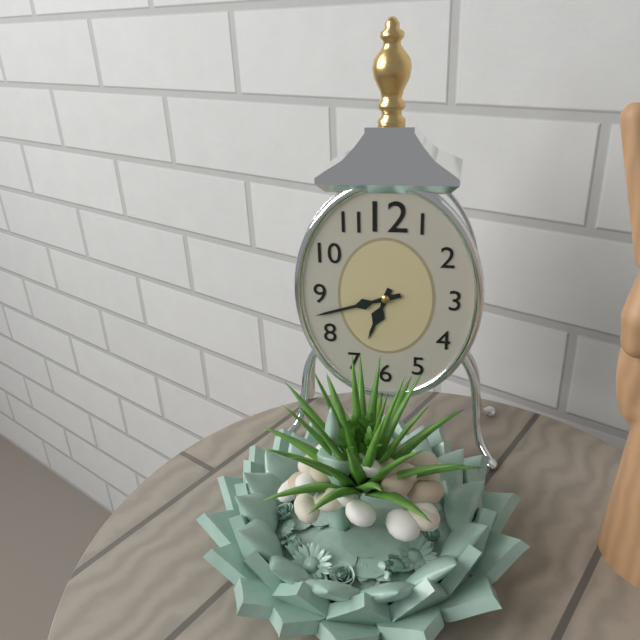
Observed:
6h42
